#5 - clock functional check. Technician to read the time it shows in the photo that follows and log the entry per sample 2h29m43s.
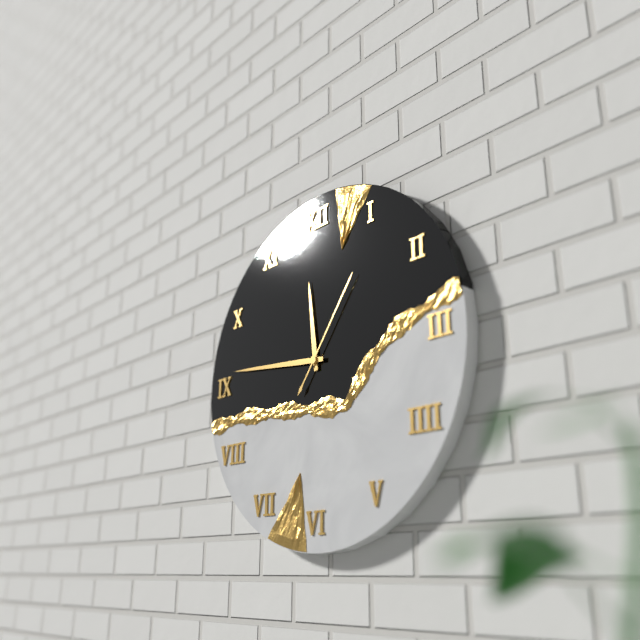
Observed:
11h46m06s
